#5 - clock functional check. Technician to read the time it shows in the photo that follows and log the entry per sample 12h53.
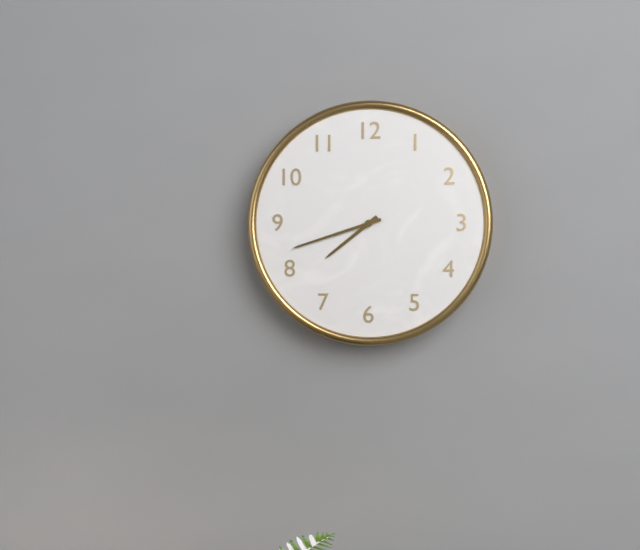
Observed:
7h42
